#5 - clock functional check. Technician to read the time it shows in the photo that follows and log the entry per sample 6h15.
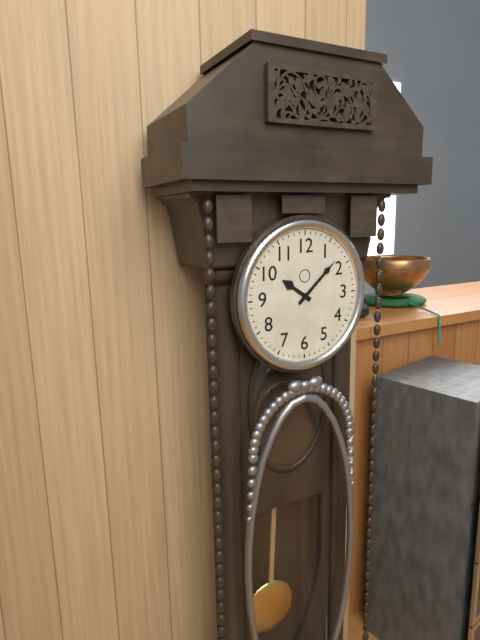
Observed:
10h08
